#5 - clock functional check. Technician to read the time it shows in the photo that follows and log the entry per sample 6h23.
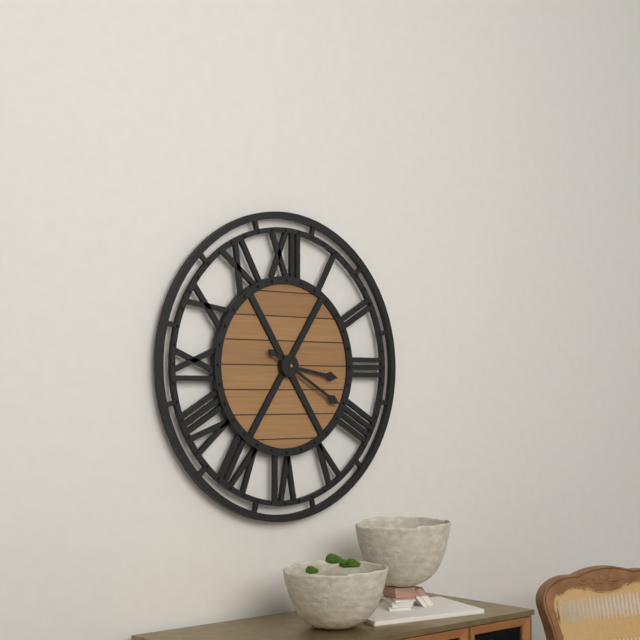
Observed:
3h20
